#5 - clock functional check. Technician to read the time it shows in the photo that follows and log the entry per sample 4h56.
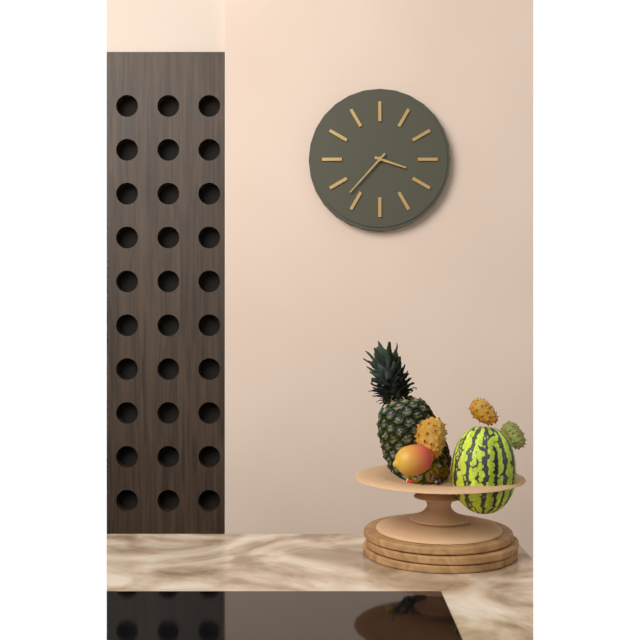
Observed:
3h37
